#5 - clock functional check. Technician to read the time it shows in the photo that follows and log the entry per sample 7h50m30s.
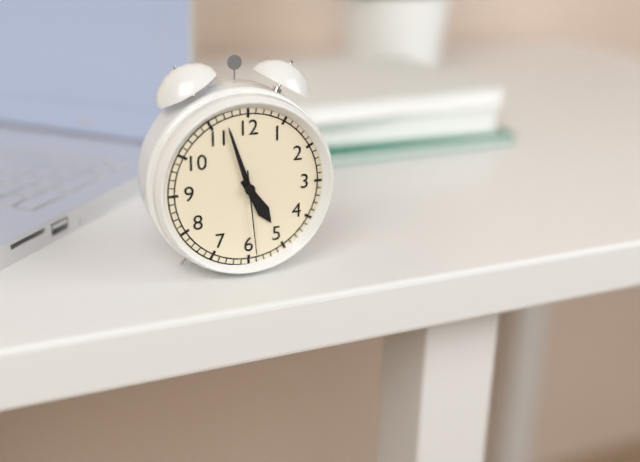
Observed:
4h57m29s
